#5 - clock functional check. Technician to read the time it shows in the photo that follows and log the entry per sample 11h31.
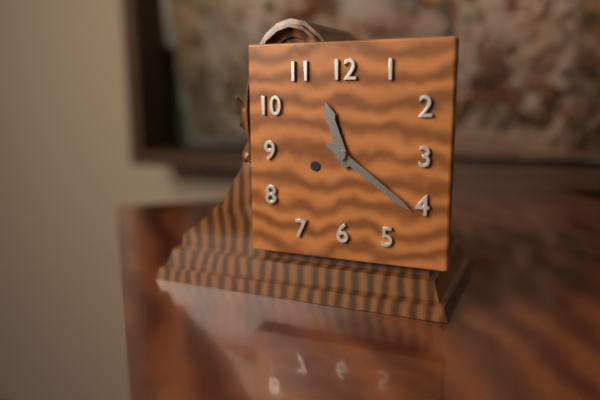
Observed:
11h21
